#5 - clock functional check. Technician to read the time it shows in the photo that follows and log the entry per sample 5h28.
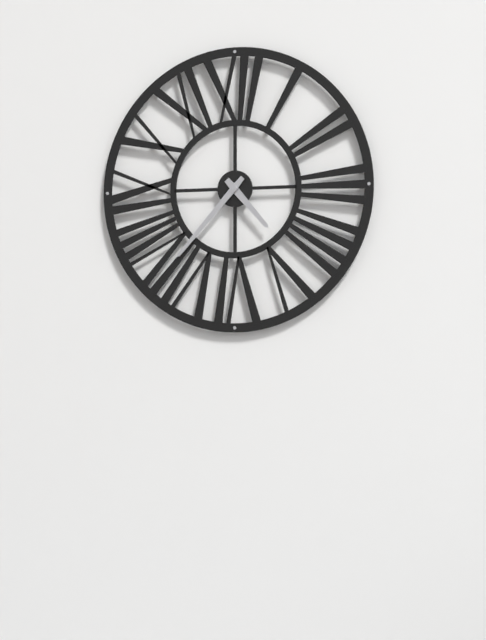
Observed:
4h37
